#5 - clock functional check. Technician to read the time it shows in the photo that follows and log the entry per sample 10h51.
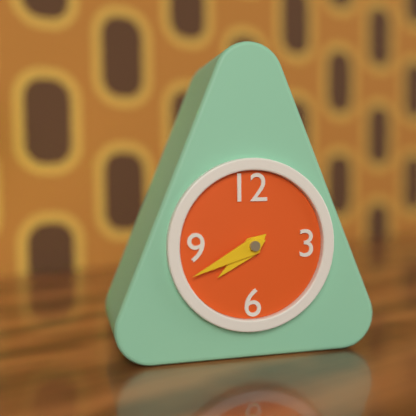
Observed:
7h41
